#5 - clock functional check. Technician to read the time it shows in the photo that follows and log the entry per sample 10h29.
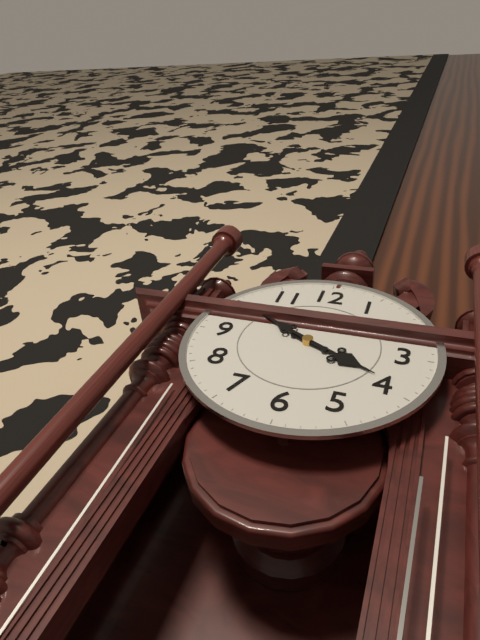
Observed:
3h50
